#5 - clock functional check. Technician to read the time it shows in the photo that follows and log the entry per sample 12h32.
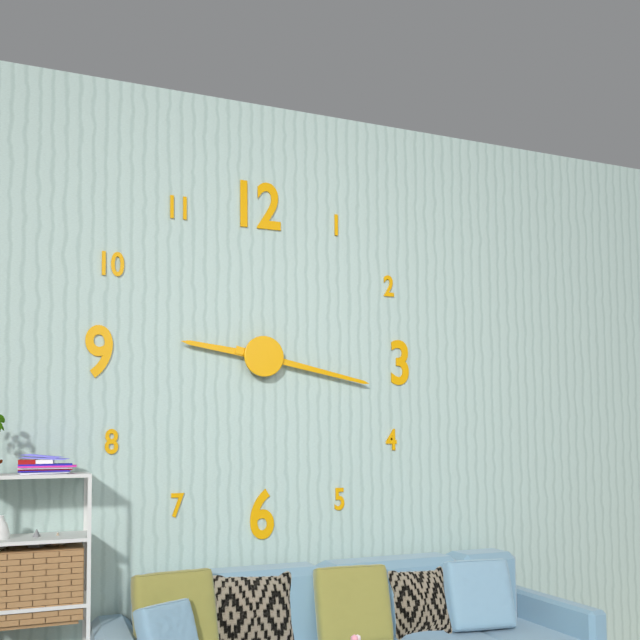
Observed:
9h17
